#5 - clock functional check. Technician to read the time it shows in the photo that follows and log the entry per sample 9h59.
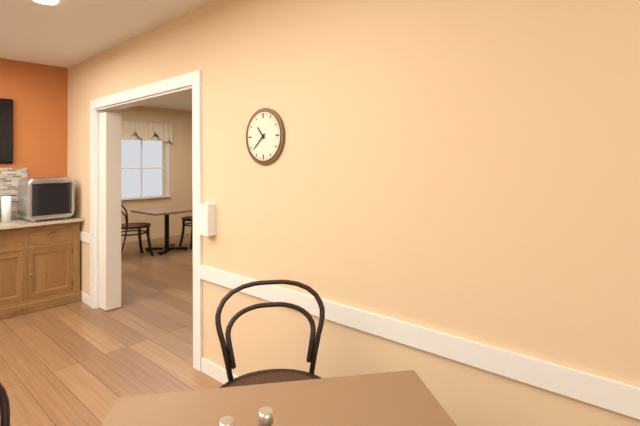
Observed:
10h38
